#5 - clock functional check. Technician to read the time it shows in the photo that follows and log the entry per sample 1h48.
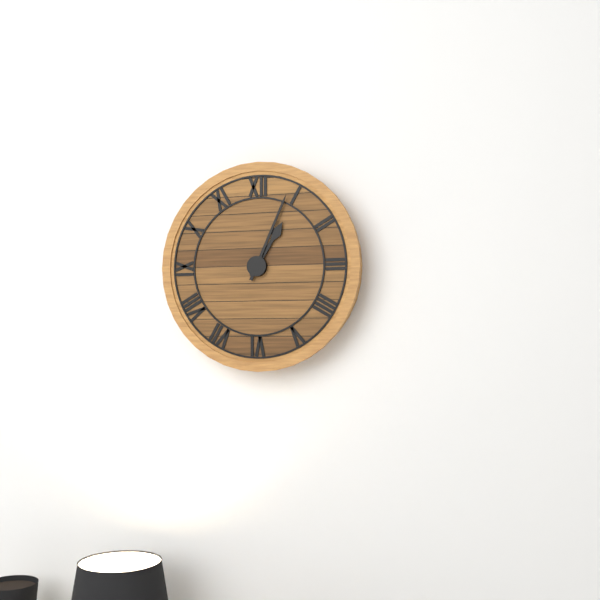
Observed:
1h04
